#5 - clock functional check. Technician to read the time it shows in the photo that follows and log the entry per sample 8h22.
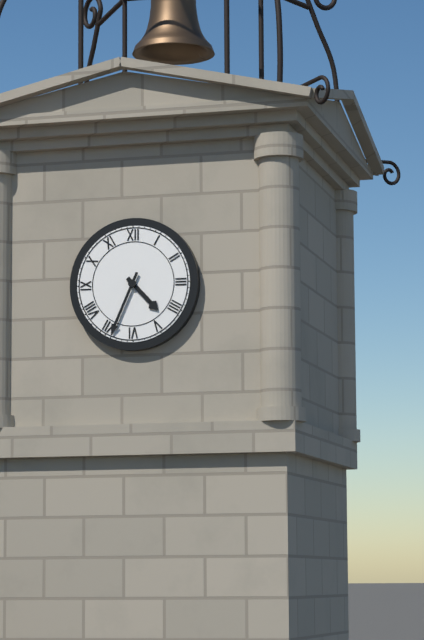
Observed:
4h34
